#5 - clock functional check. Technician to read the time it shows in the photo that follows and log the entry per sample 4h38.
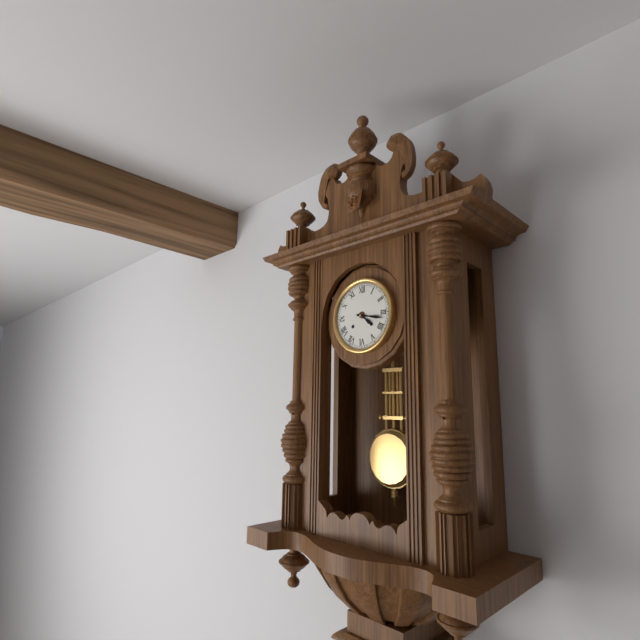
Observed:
4h17
